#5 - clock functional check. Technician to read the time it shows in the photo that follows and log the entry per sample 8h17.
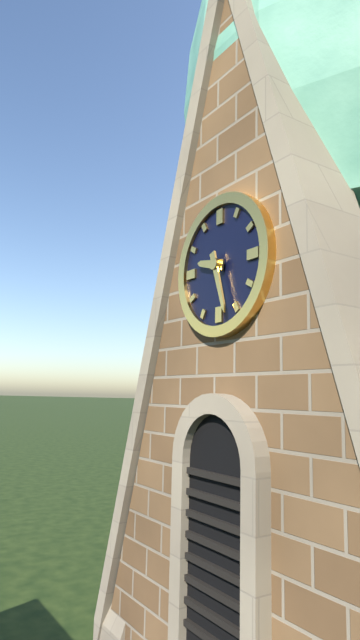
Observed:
9h27
